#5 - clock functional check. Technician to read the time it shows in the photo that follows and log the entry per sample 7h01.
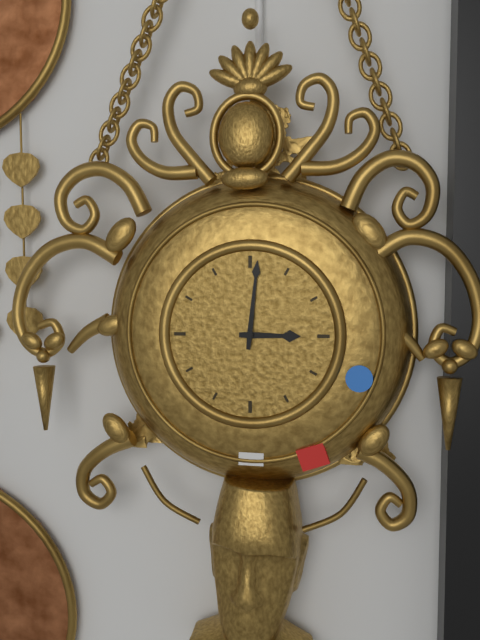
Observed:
3h01
